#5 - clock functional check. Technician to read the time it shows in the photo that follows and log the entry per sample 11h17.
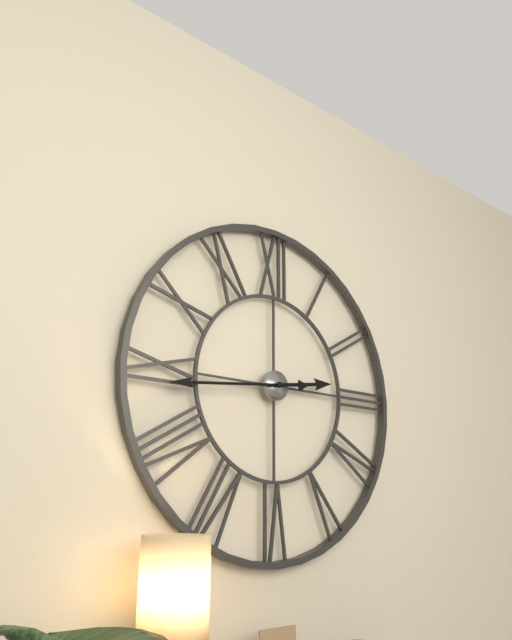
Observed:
2h44
